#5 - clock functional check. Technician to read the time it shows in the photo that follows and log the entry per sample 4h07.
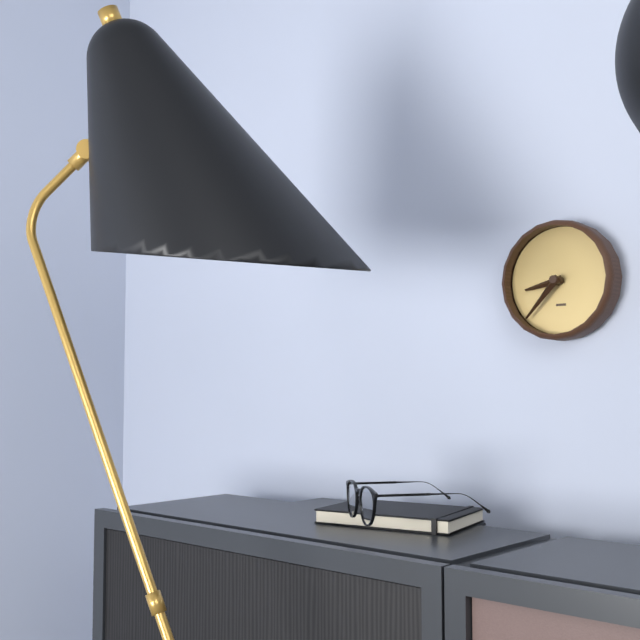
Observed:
8h37
